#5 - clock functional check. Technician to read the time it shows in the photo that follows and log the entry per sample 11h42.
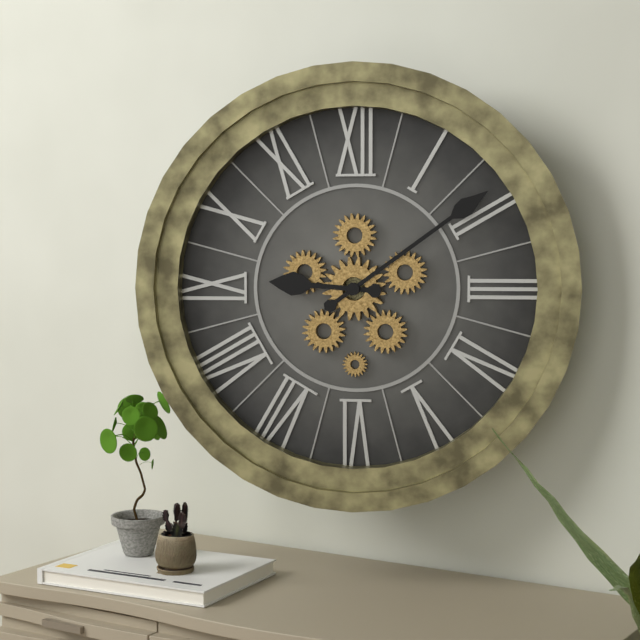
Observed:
9h09
